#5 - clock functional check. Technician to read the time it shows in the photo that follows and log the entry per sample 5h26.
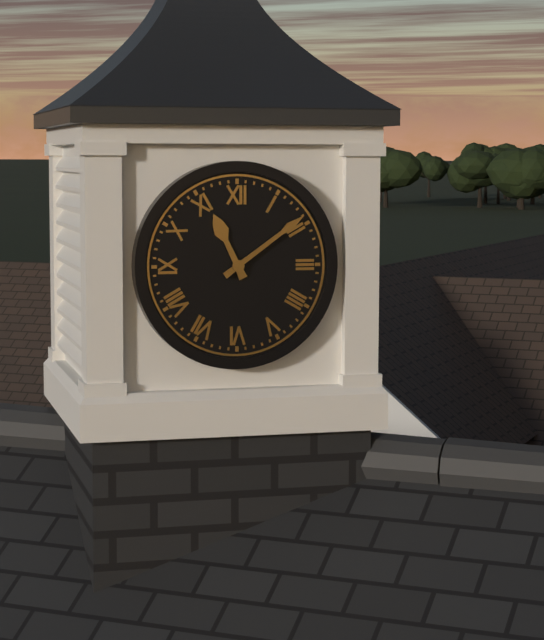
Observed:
11h09
